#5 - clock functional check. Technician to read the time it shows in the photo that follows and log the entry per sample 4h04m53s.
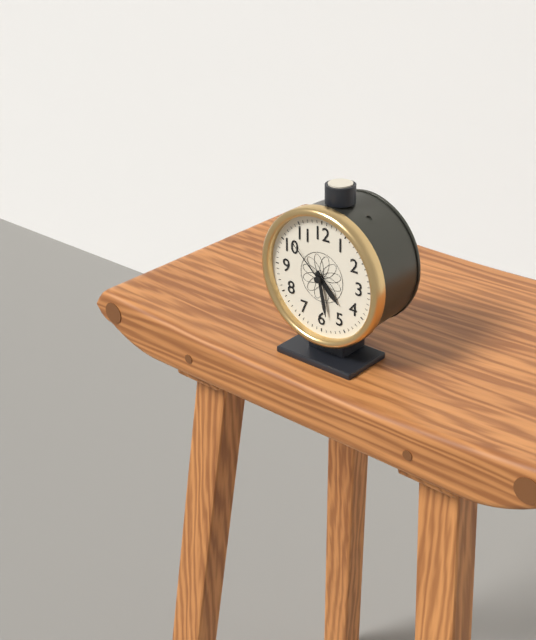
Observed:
4h28m52s
